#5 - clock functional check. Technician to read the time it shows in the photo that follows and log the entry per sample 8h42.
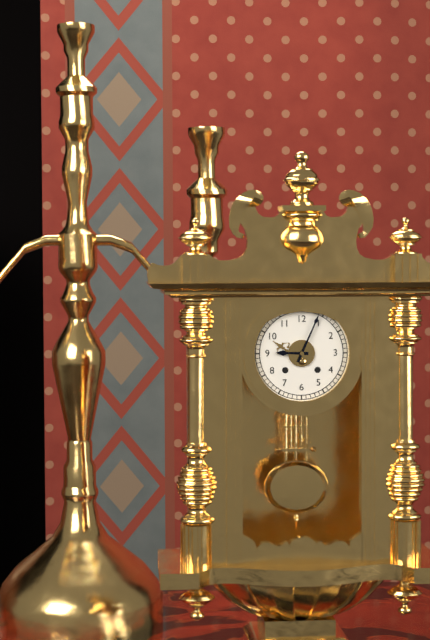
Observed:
9h04
